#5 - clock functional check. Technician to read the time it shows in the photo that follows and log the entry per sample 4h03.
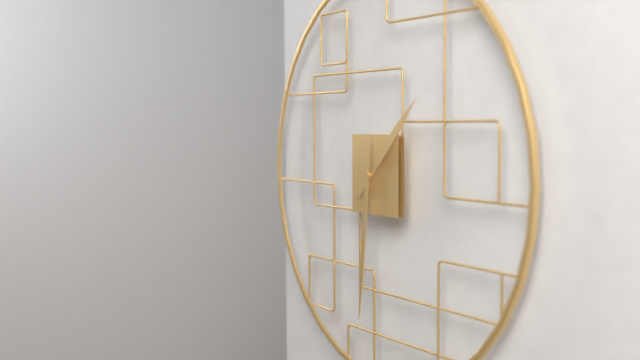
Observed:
1h31
